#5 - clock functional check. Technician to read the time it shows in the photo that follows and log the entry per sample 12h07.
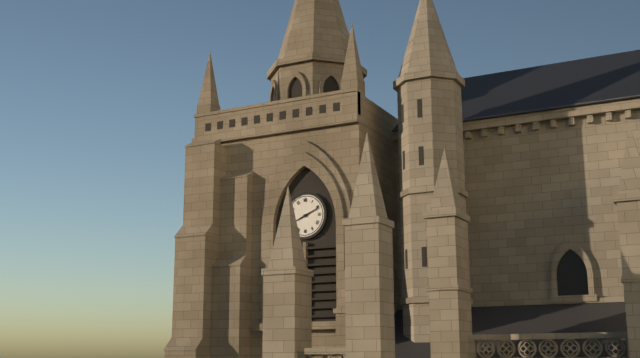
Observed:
8h11
